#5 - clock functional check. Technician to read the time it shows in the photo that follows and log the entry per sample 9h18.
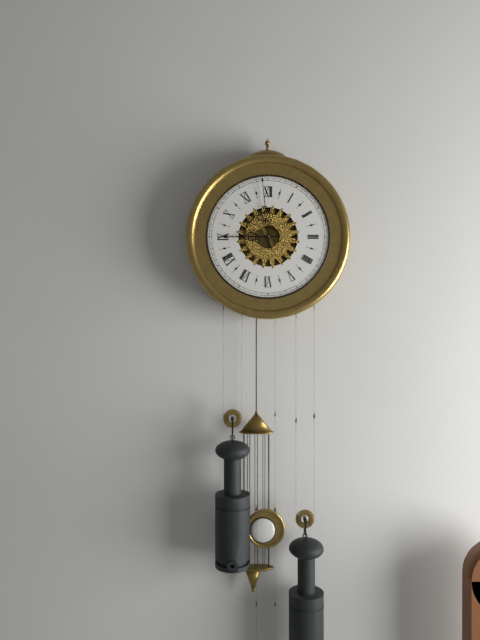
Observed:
8h59
